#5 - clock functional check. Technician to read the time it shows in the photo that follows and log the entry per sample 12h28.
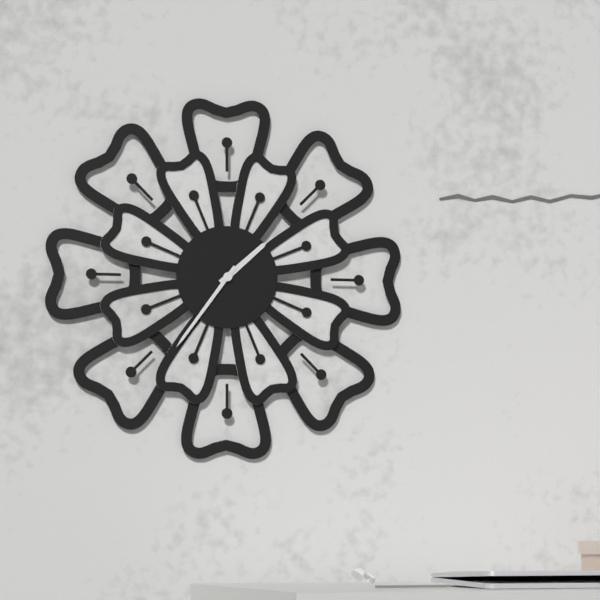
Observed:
1h36
